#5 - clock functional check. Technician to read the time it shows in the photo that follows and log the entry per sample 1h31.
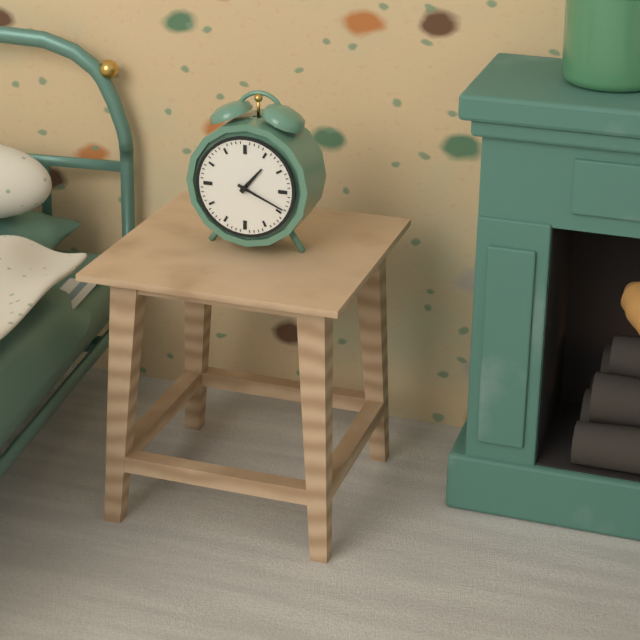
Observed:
1h19
